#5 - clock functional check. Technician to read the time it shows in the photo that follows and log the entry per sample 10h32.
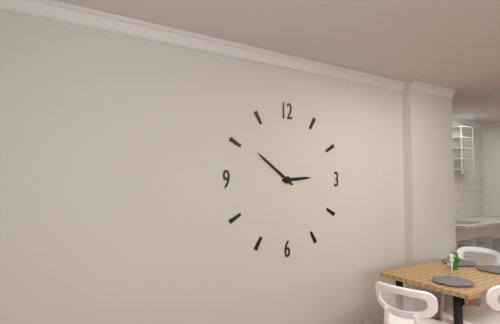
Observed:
2h51
